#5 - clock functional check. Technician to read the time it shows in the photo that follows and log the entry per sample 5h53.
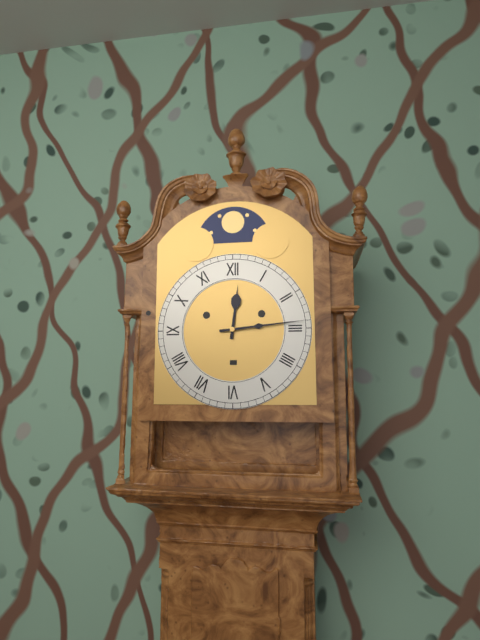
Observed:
12h14
